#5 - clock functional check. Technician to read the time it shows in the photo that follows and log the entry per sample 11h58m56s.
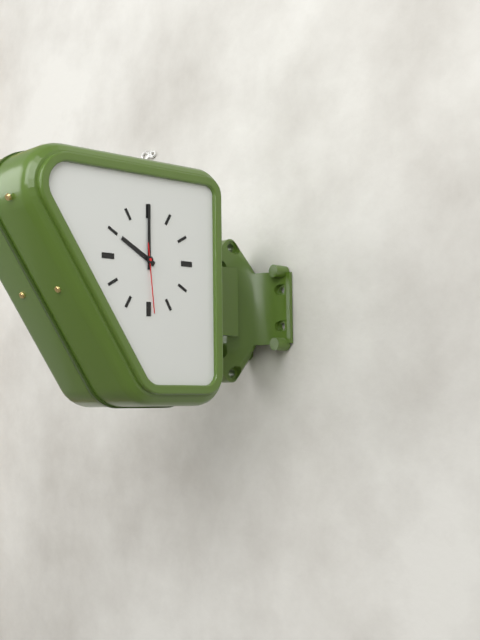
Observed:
10h00m29s
